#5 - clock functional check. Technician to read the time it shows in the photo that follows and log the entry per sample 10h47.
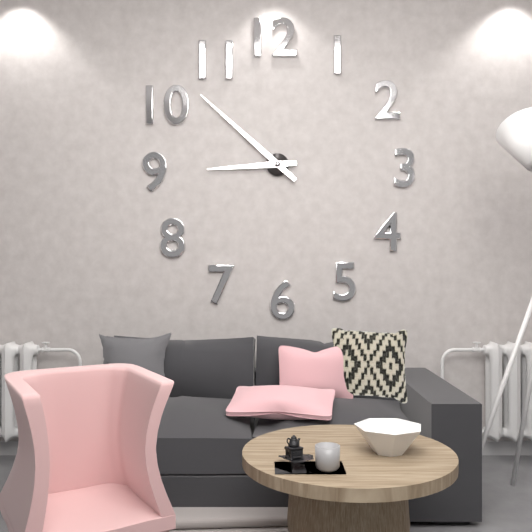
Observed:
8h52
